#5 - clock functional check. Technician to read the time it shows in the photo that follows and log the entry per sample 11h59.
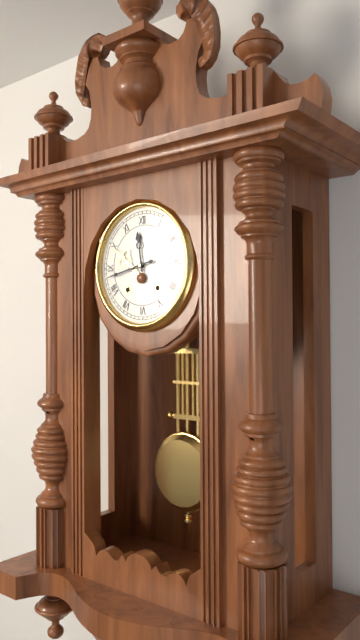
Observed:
11h43
